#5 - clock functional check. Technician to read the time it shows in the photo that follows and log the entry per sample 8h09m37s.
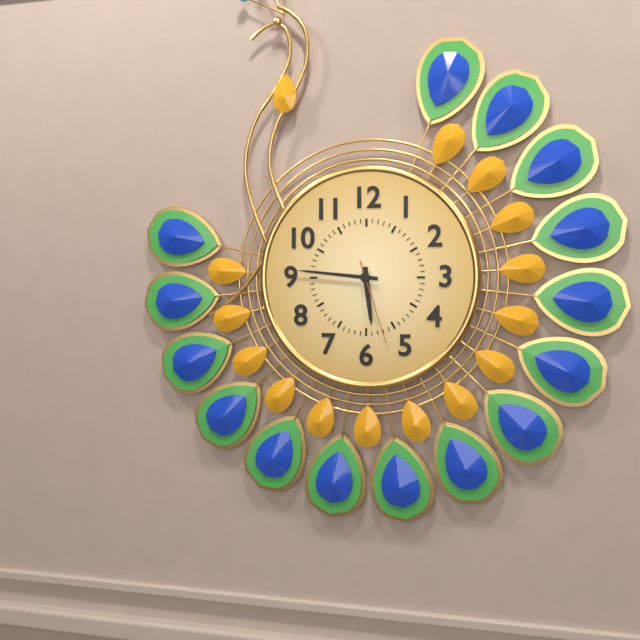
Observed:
5h46m27s
